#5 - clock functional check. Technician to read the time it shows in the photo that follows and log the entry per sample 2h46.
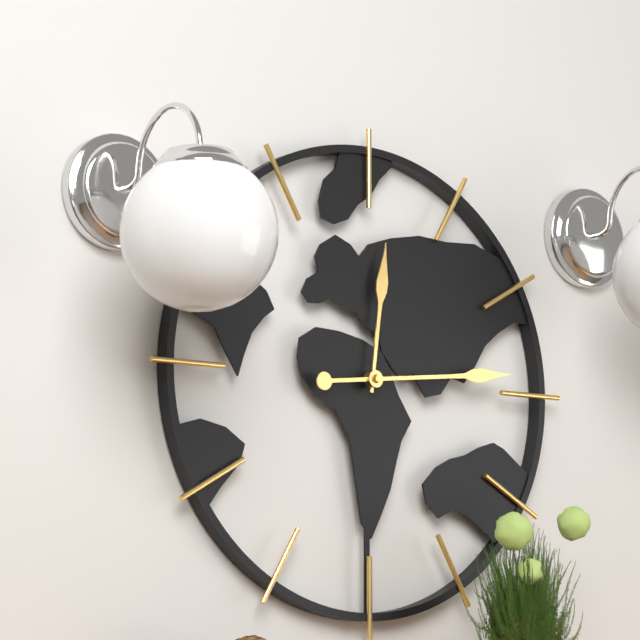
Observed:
12h14
